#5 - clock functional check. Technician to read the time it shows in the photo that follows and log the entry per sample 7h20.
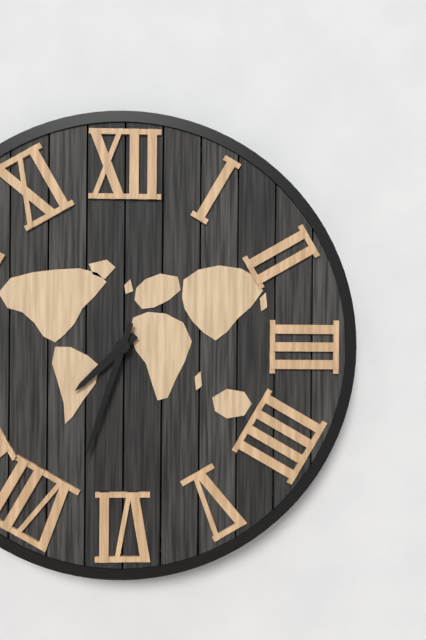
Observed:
7h33
